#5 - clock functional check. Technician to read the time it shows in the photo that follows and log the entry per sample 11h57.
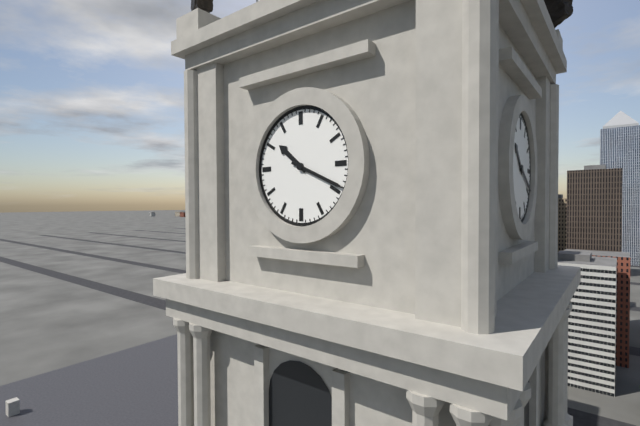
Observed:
10h19
